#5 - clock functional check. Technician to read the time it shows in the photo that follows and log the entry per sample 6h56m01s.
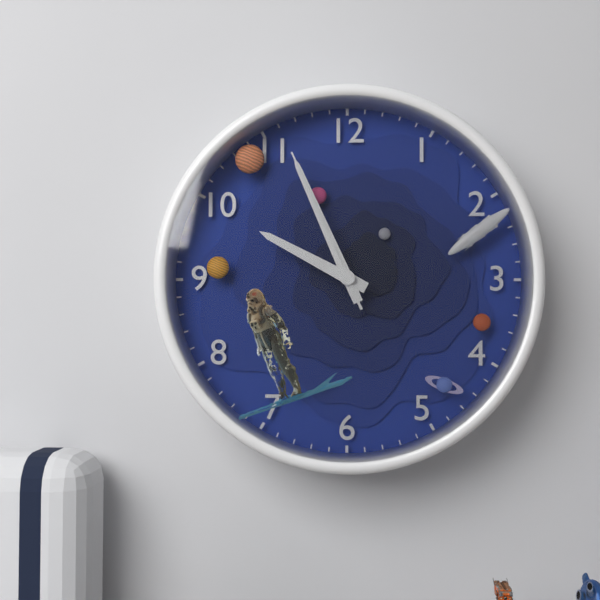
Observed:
9h56m56s
